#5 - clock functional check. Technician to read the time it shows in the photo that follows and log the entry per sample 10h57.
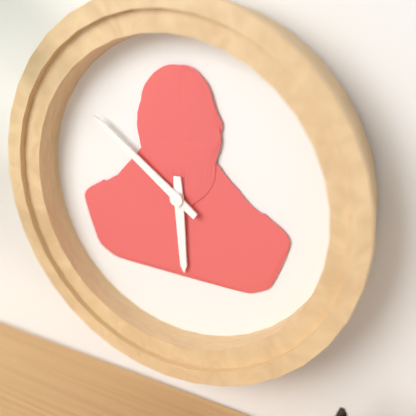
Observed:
5h51
